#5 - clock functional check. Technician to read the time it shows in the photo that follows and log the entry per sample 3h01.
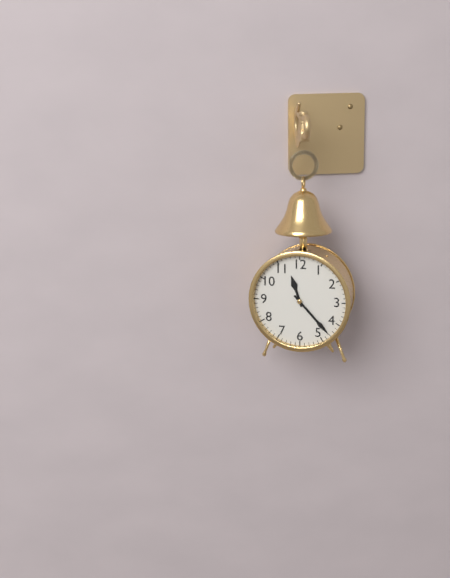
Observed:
11h23
